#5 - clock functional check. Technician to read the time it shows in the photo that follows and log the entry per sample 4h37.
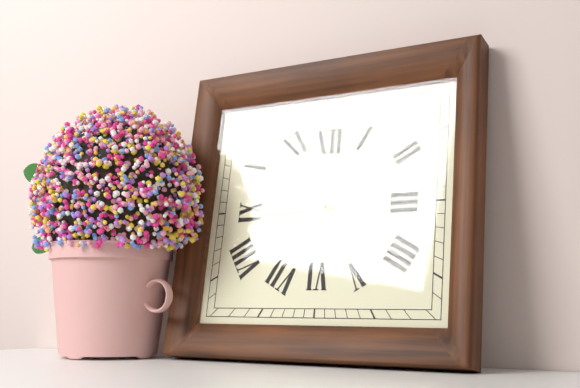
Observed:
8h53
